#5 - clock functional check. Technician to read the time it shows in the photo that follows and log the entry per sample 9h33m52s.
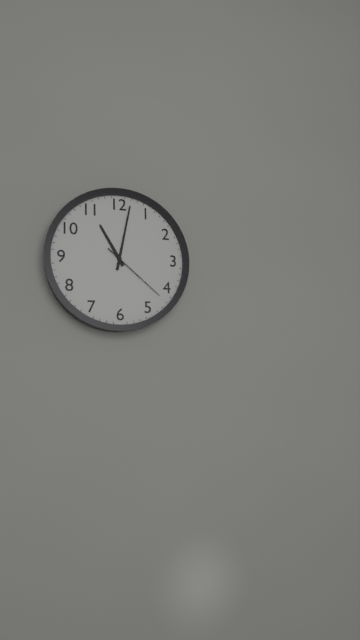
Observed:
11h02m22s
